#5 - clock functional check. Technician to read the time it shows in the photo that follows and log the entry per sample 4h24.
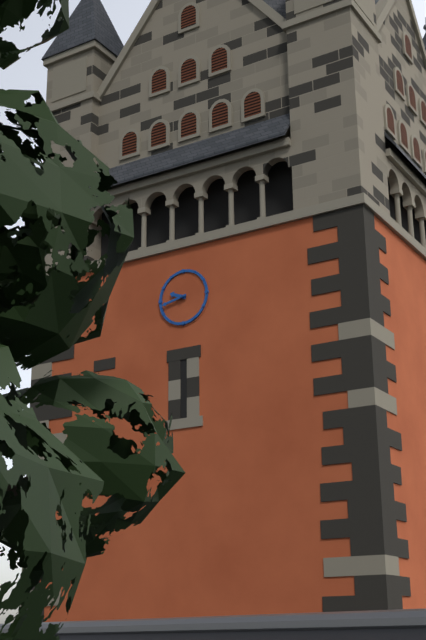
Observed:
9h43
